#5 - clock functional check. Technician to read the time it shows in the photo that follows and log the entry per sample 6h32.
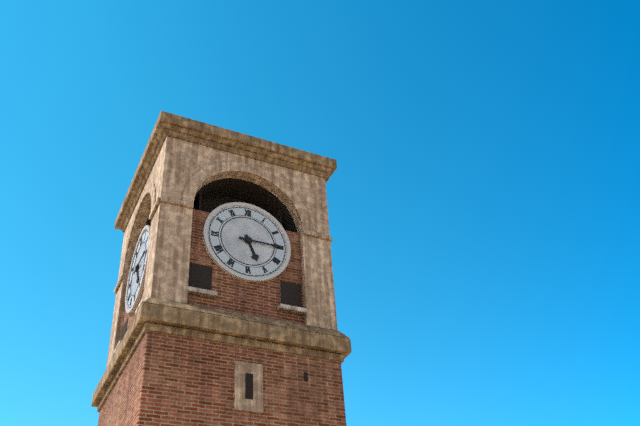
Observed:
5h15
